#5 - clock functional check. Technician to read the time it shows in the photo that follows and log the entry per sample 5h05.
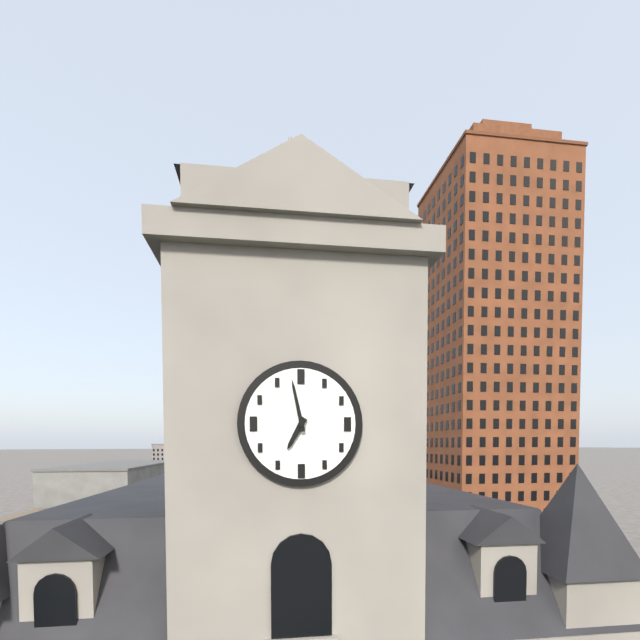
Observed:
6h58
